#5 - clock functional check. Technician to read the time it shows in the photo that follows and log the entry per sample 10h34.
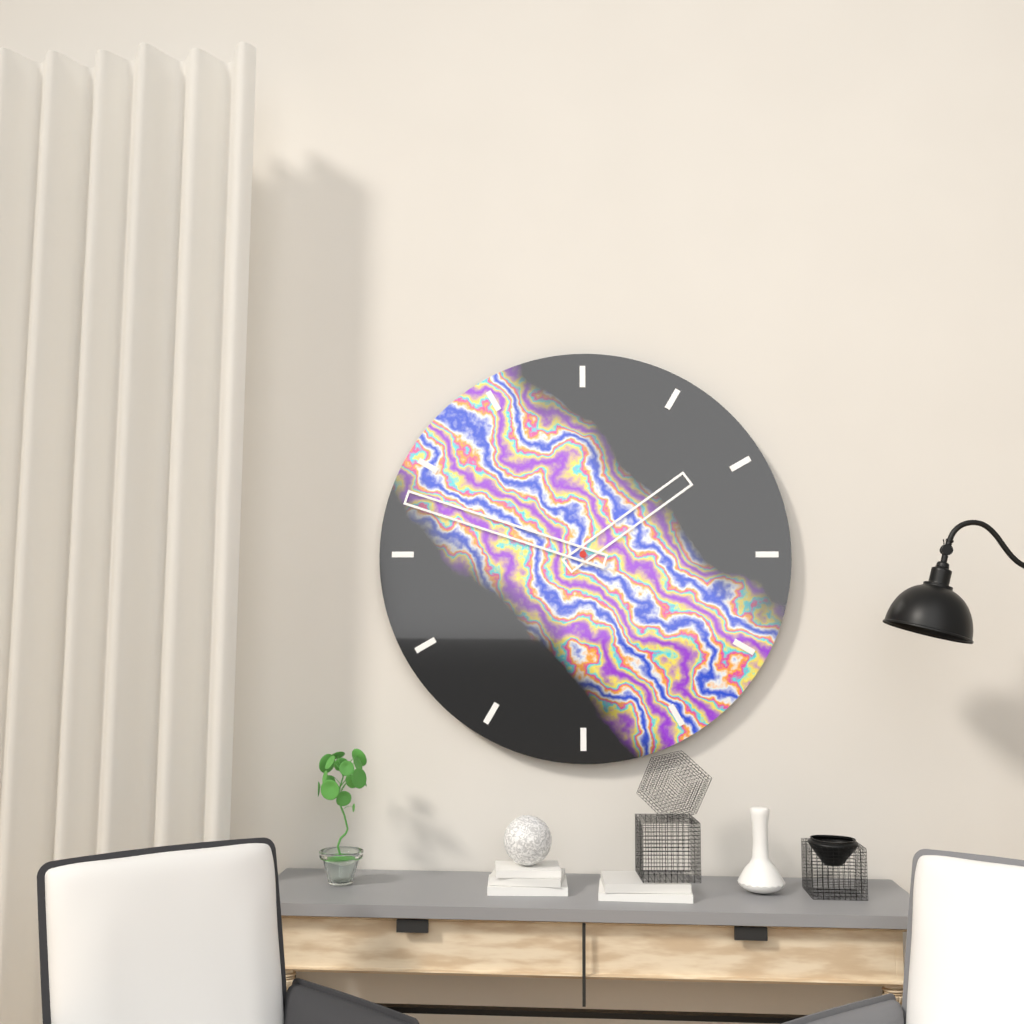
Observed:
1h48
